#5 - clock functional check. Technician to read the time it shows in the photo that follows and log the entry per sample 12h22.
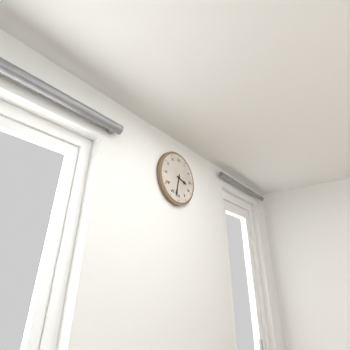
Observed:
3h32
